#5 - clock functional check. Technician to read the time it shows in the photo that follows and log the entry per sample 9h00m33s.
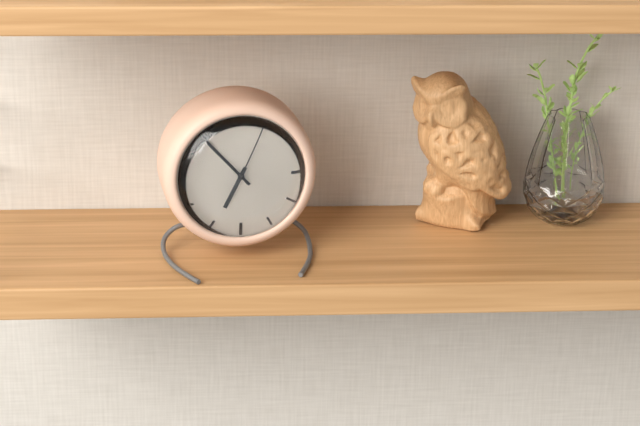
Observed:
6h53m04s
